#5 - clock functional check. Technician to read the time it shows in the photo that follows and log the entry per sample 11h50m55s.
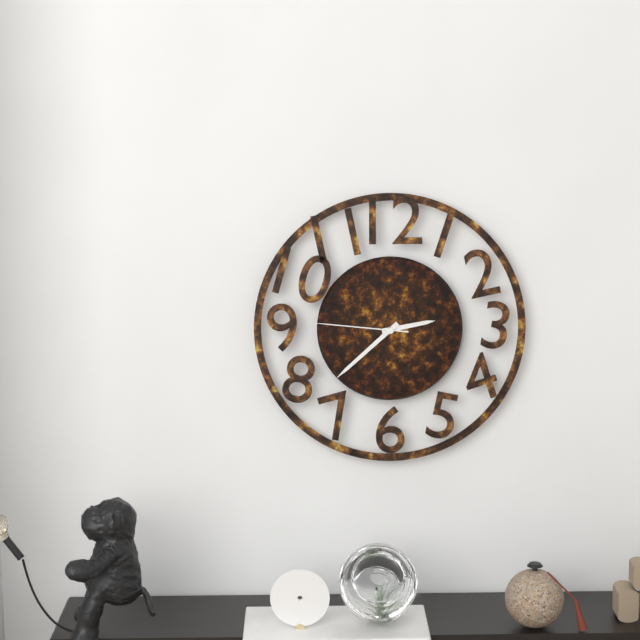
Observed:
2h38m46s
